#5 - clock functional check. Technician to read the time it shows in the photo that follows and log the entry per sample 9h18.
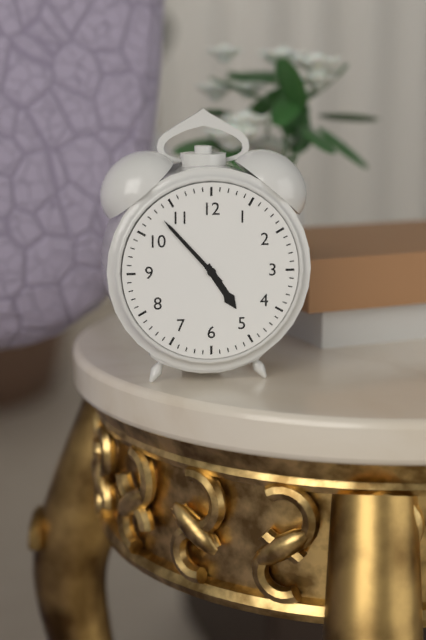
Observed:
4h53
